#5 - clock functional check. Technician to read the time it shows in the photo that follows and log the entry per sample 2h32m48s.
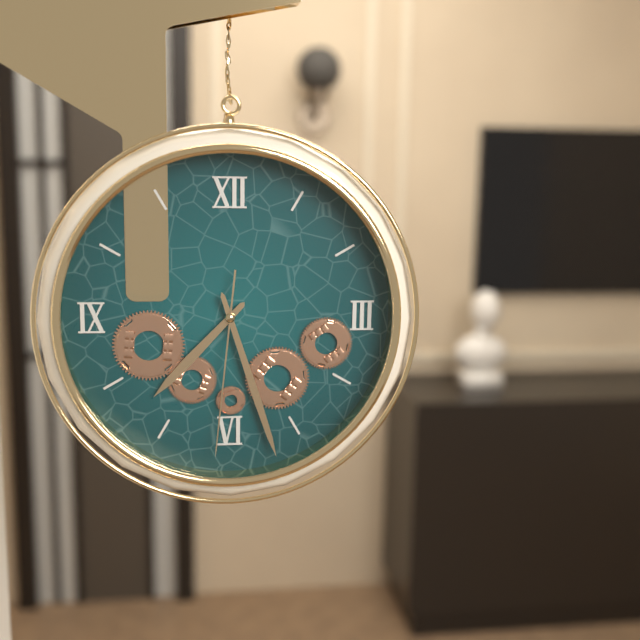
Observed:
7h27m31s
